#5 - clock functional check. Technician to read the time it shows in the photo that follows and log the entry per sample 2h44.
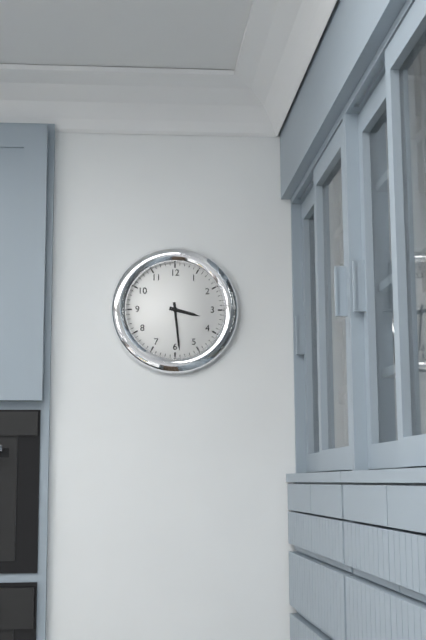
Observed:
3h29
